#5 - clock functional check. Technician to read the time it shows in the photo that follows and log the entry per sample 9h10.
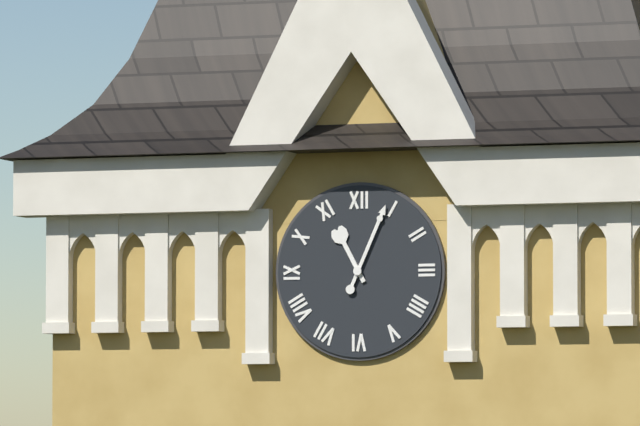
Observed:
11h04
